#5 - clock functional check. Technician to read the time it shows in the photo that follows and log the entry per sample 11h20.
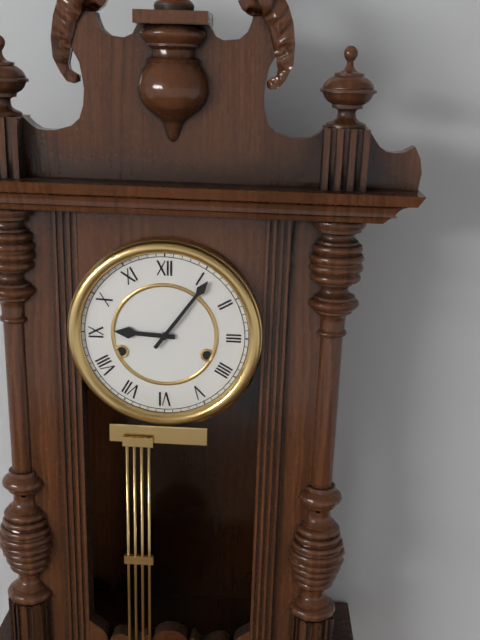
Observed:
9h06
